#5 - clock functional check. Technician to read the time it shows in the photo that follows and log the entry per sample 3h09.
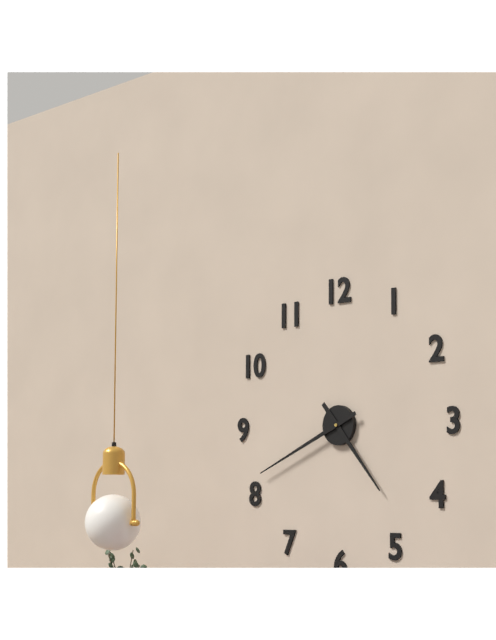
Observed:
4h41
